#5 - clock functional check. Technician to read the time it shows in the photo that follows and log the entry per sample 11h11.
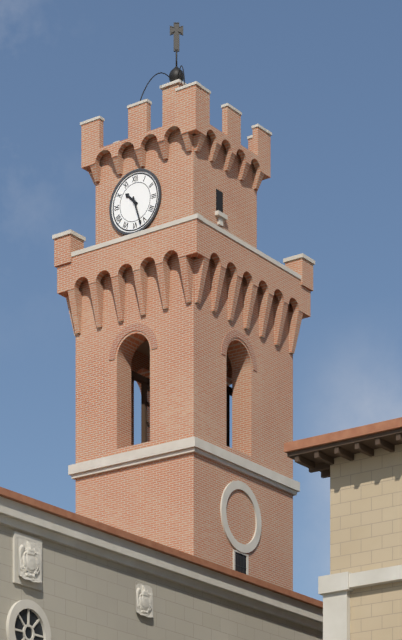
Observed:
10h27
